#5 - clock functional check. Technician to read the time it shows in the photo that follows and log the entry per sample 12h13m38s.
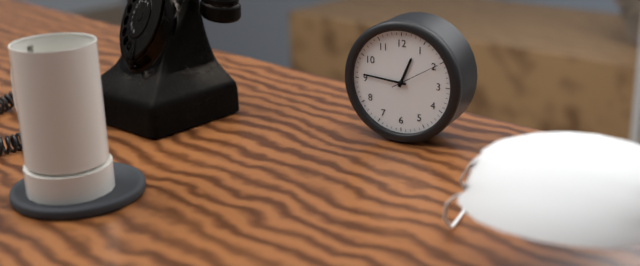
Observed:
12h46m10s
